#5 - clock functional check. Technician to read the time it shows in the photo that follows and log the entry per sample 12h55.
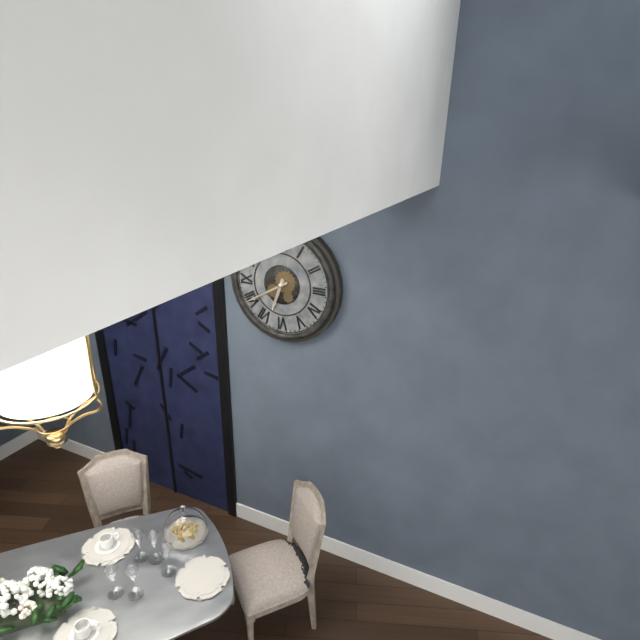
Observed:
6h40
